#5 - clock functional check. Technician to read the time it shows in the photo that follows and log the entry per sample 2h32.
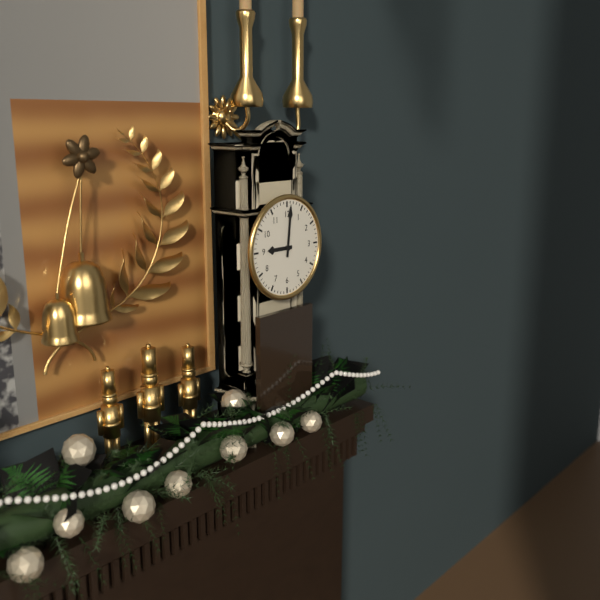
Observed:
9h01
